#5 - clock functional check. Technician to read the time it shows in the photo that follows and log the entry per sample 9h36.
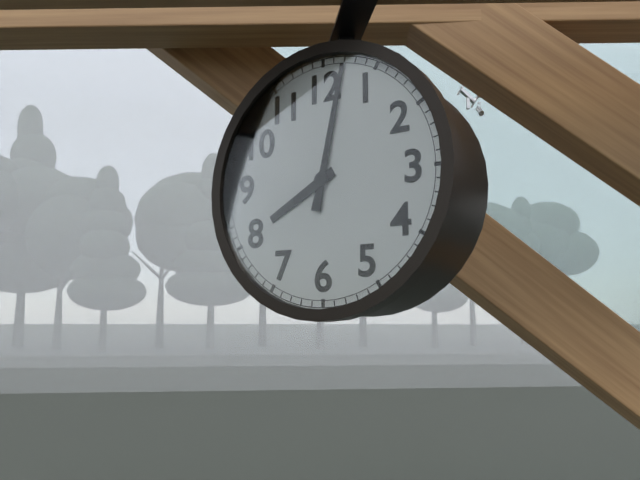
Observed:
8h02
